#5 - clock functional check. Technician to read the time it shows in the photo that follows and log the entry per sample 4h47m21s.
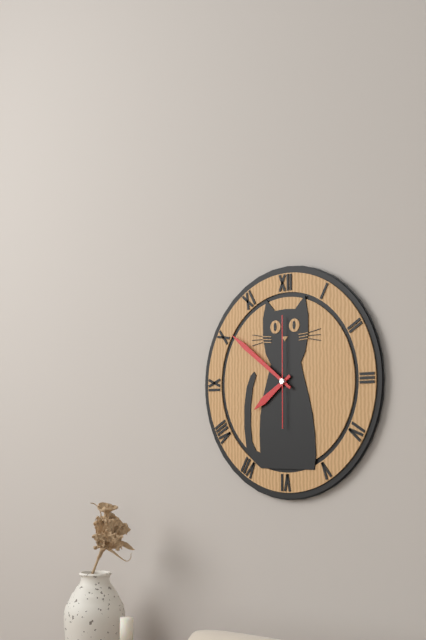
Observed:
7h51m00s
